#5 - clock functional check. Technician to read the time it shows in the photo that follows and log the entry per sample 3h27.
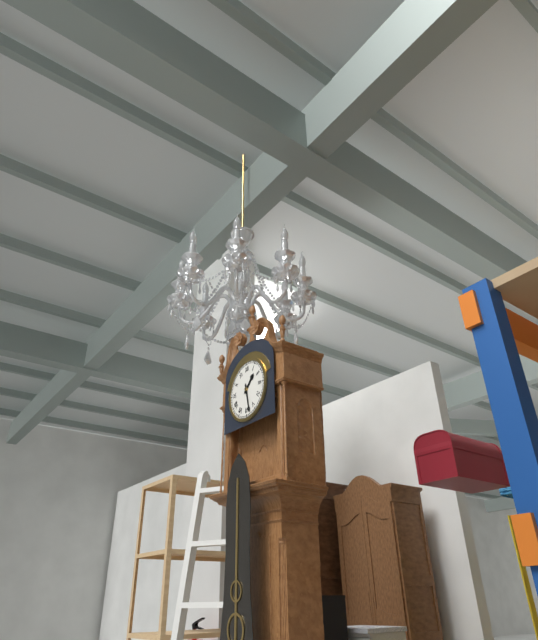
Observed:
1h28
